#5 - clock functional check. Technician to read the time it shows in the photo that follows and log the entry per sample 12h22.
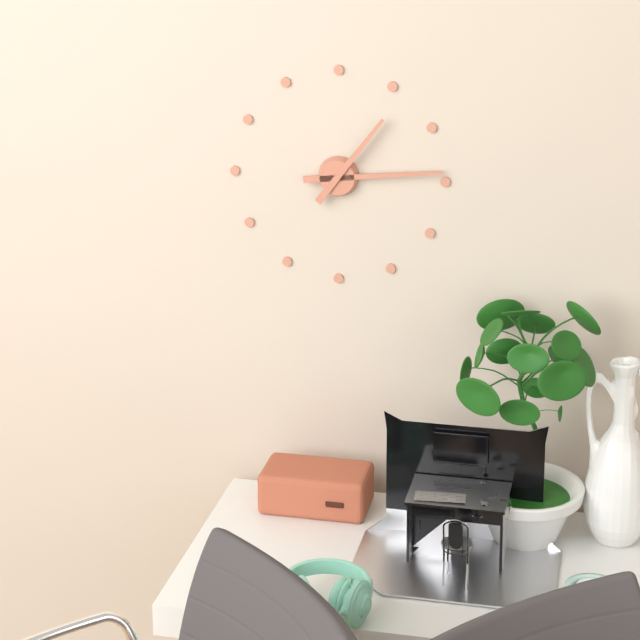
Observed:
1h14
